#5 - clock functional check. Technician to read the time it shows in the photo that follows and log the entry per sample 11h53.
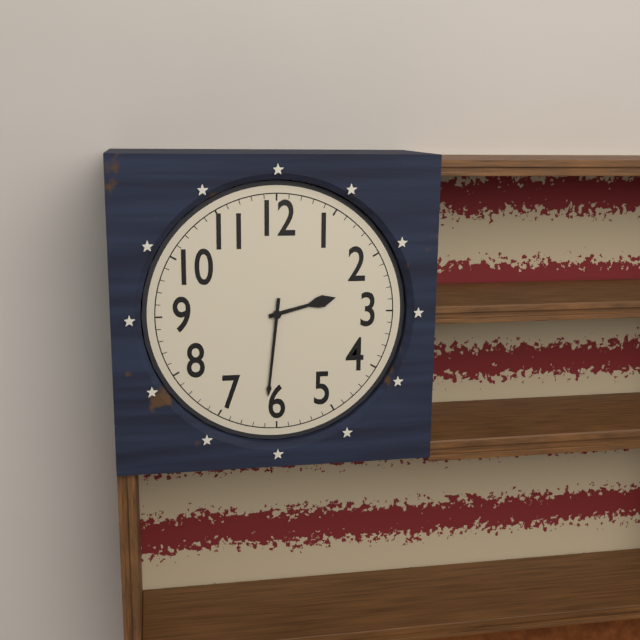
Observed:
2h31
